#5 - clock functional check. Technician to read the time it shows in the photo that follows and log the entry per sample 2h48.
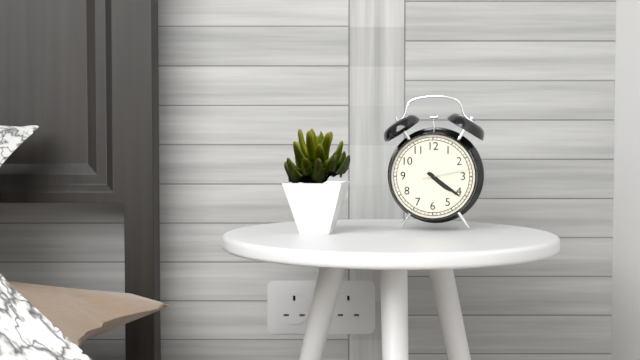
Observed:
4h21
